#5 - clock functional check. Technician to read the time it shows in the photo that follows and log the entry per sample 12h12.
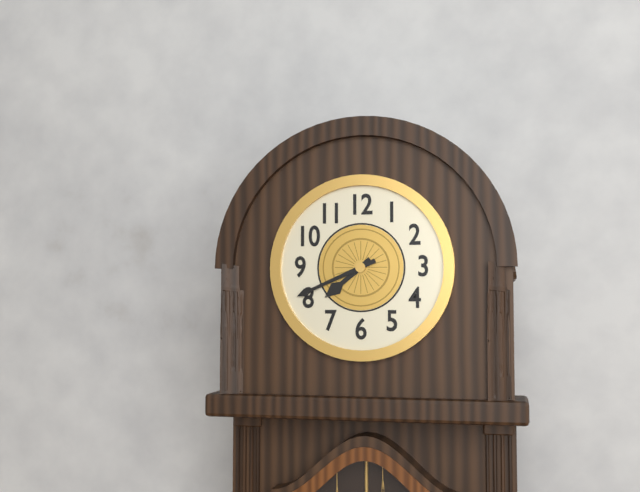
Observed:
7h41
